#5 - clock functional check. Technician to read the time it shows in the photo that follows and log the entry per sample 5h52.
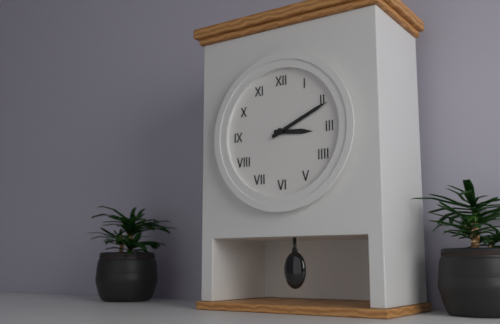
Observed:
3h11
